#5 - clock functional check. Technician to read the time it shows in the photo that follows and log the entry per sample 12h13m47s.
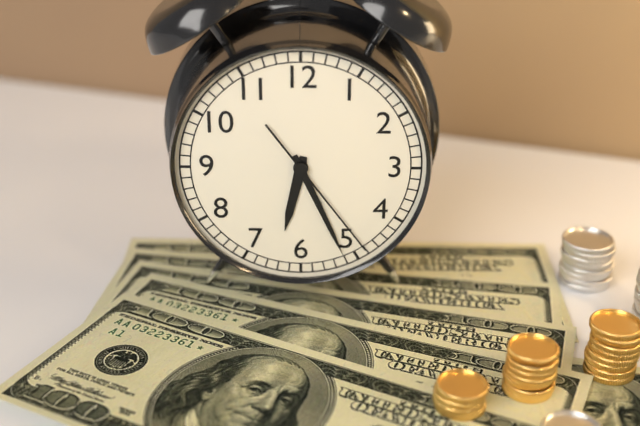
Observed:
6h26m24s
